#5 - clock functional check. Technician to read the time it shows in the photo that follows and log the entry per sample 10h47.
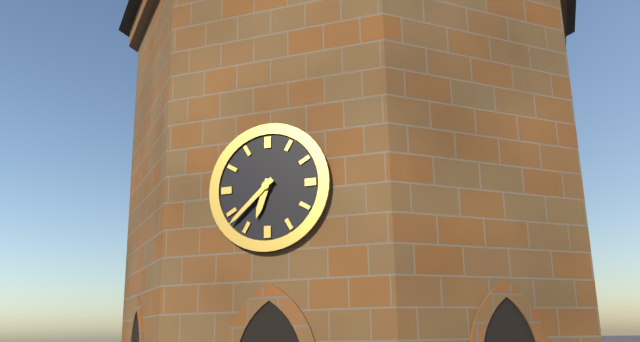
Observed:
6h38
